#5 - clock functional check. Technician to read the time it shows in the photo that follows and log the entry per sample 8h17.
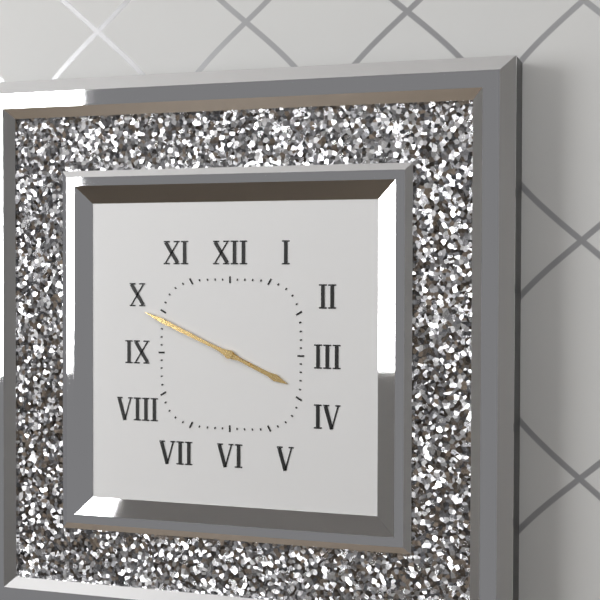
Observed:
3h49
